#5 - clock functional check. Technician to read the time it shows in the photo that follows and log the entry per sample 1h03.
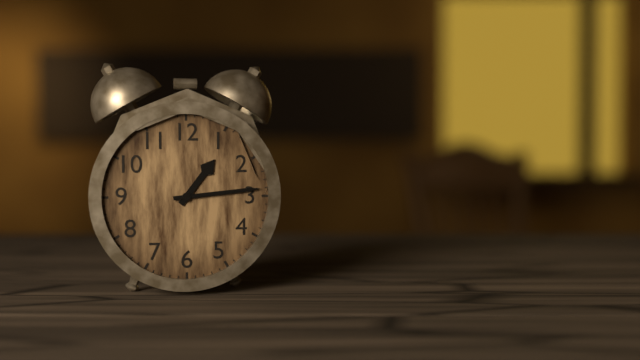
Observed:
1h14
